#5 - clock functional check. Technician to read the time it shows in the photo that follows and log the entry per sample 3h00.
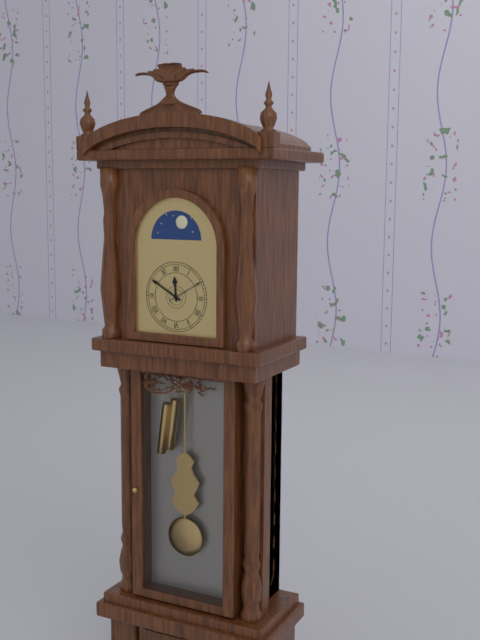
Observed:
11h50
